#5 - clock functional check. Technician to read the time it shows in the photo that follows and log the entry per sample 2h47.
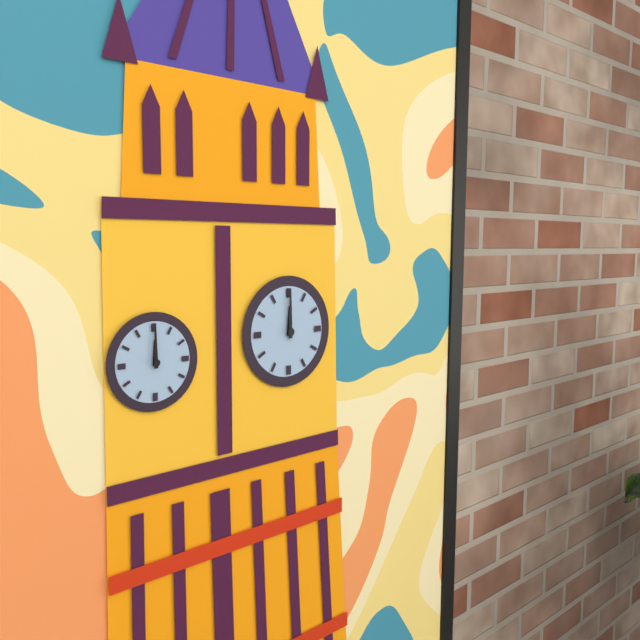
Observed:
12h00
